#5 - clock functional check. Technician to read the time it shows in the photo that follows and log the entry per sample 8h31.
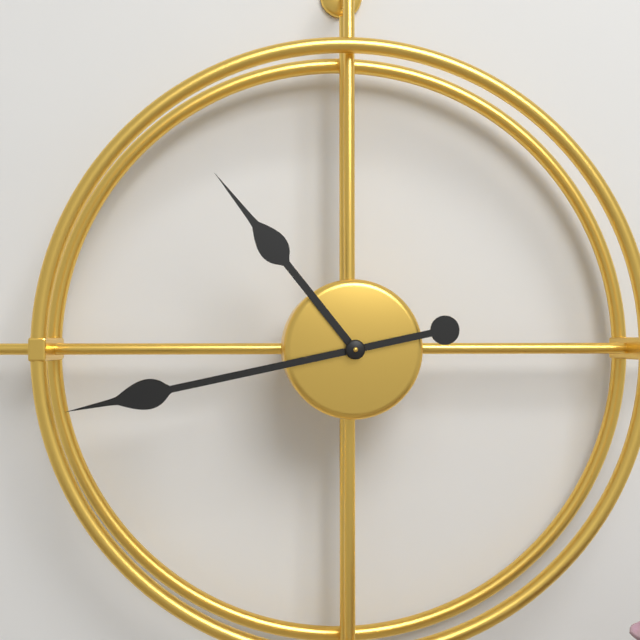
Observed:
10h43
